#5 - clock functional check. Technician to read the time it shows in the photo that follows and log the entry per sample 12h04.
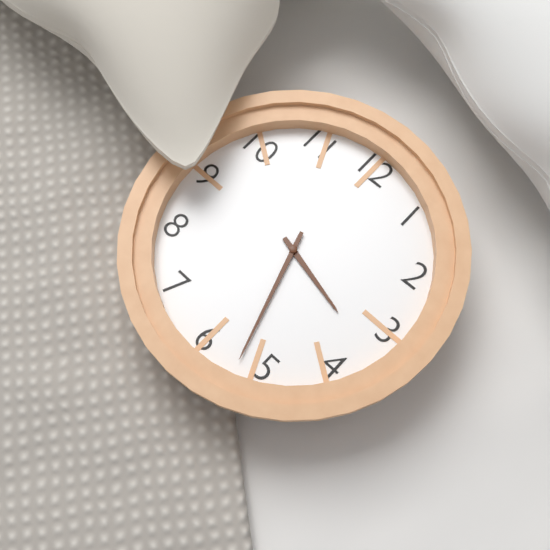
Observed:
3h27
